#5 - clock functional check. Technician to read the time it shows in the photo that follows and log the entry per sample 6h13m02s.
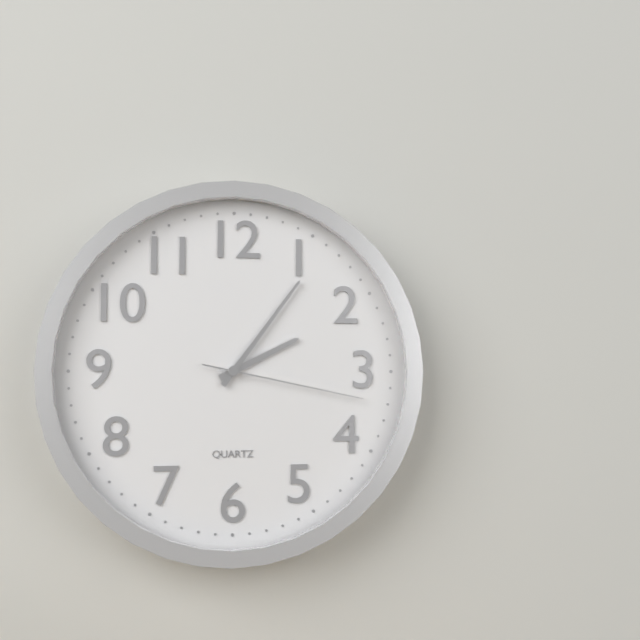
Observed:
2h06m17s
